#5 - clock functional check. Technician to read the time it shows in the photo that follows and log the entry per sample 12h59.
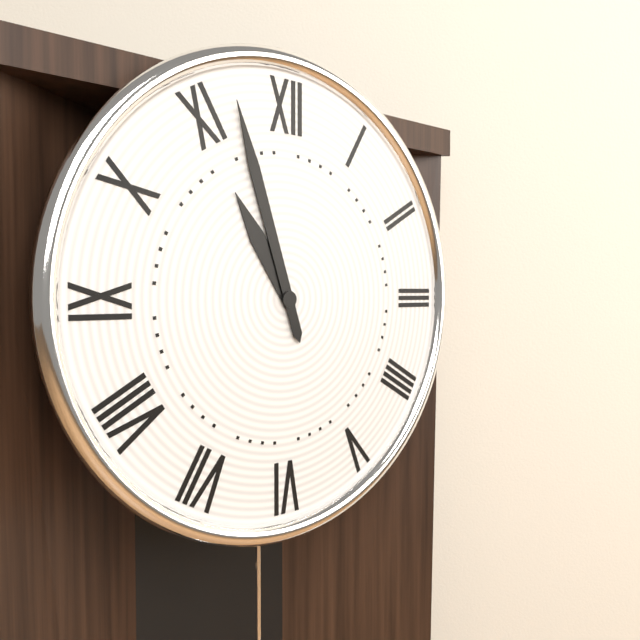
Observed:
10h57
